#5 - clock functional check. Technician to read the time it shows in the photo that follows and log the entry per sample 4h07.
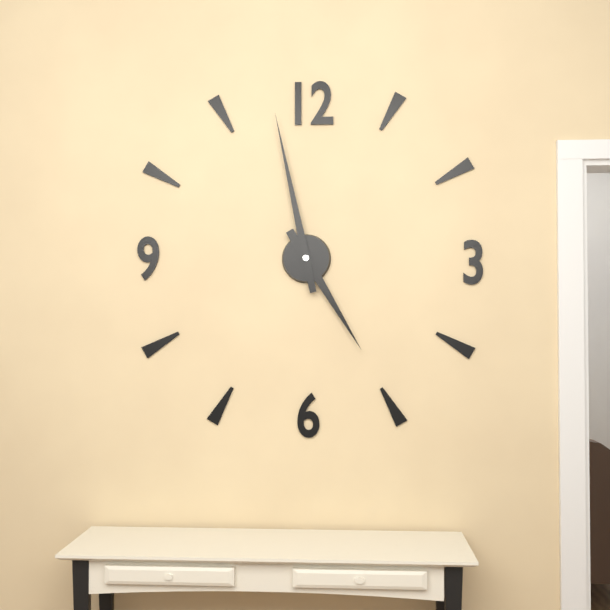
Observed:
4h58
